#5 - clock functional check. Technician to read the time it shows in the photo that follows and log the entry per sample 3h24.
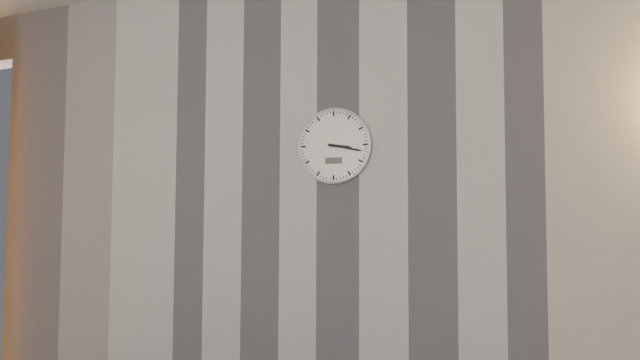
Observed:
3h17
